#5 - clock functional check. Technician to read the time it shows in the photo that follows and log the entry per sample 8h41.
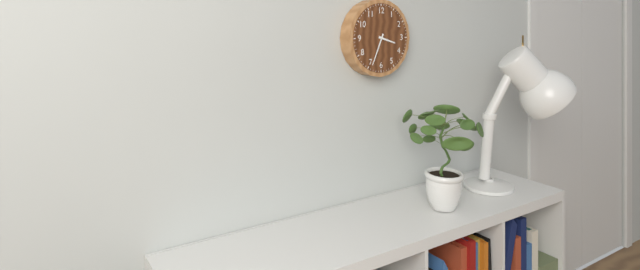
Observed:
3h34
